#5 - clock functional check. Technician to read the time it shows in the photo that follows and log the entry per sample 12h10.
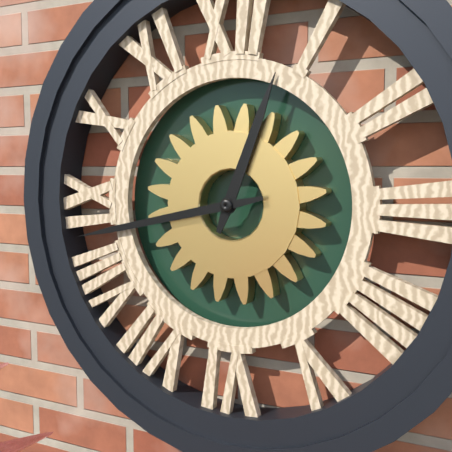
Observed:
12h43
